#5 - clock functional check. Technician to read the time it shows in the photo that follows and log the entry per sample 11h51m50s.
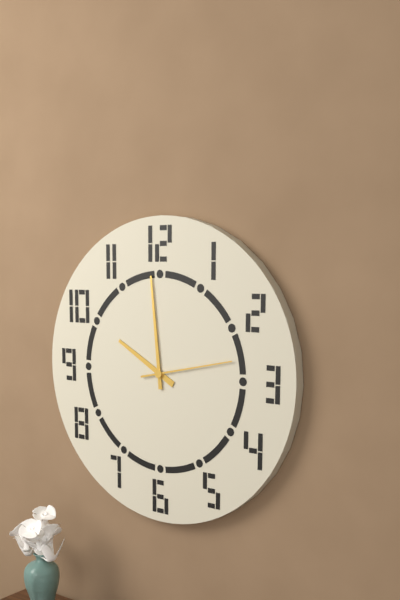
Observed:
9h59m13s
